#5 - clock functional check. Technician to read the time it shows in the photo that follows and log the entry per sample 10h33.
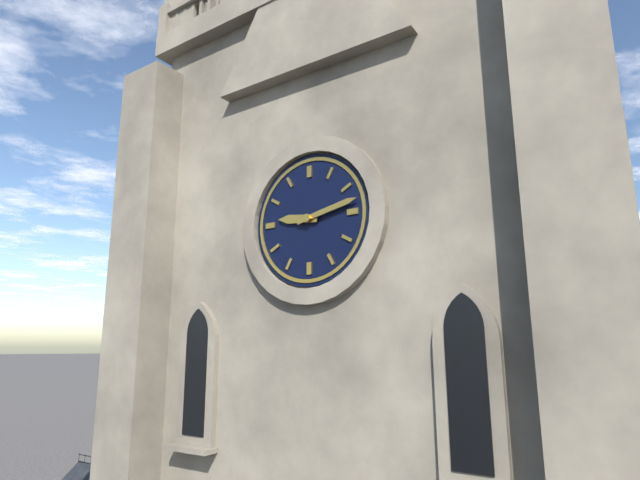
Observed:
9h13
